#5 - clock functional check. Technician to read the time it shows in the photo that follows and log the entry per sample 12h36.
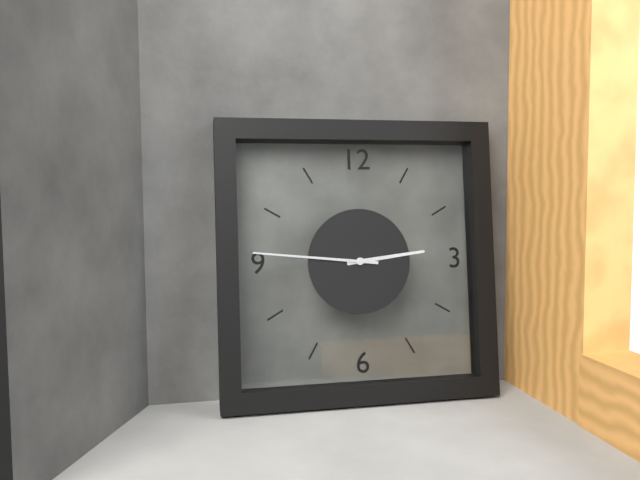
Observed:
2h46
